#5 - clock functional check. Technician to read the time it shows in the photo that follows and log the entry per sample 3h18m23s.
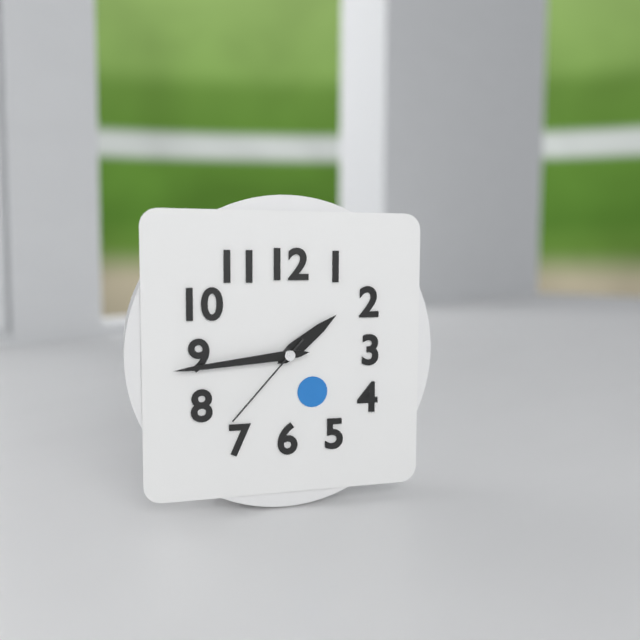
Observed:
1h44m37s
